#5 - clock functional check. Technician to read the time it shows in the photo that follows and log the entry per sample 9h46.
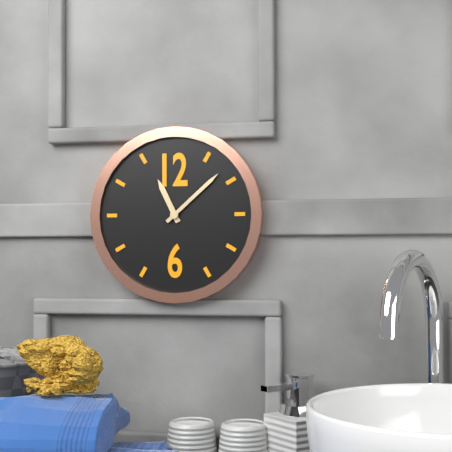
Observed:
11h08
